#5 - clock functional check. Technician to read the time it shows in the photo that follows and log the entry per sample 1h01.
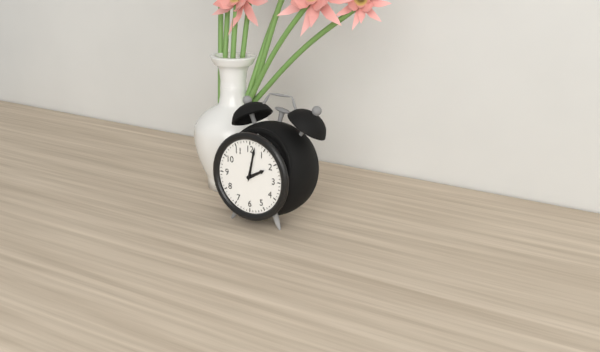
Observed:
2h02
